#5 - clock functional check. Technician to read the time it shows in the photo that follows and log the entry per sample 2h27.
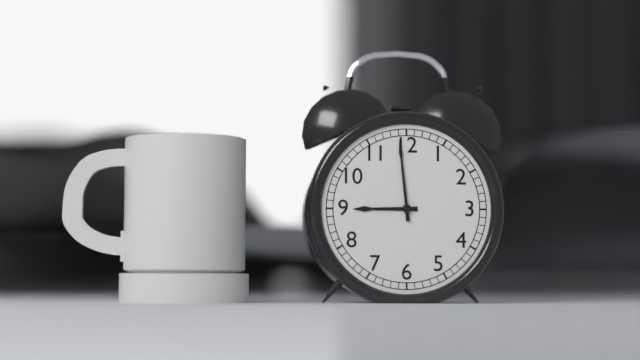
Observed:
8h59
